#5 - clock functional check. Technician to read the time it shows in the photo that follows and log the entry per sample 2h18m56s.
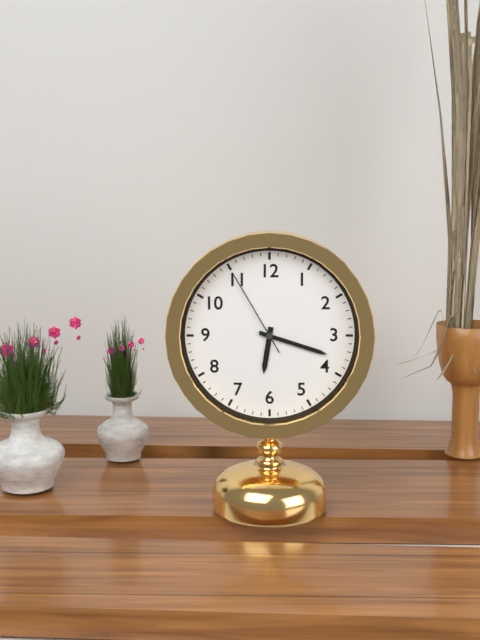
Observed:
6h18m55s
